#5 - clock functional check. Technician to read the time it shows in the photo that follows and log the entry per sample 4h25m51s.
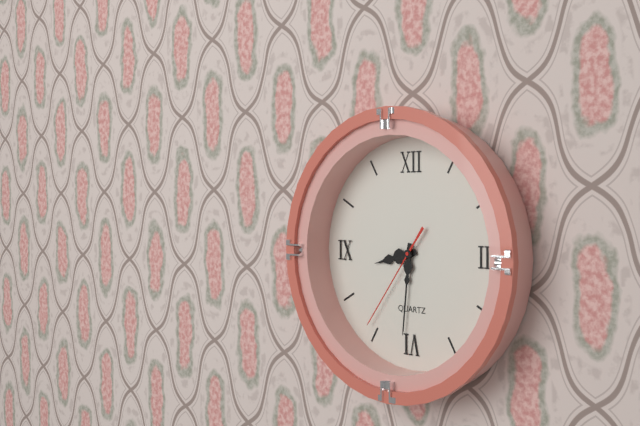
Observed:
8h31m36s
